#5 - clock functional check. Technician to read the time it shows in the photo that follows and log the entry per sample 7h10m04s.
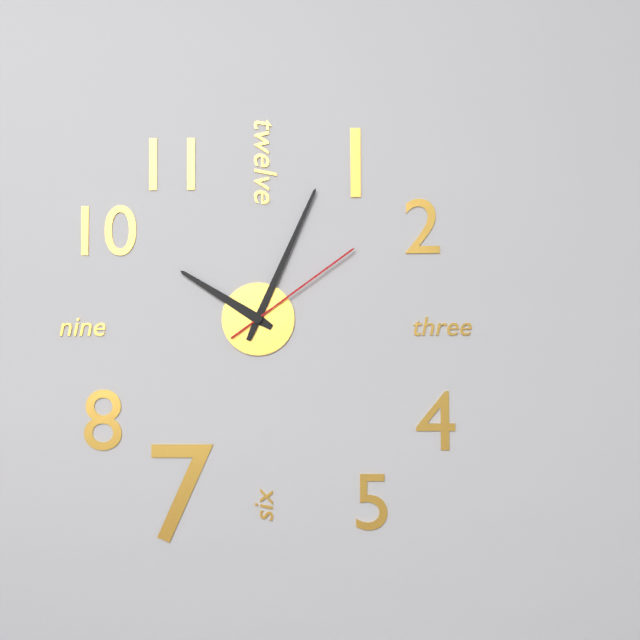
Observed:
10h04m09s
